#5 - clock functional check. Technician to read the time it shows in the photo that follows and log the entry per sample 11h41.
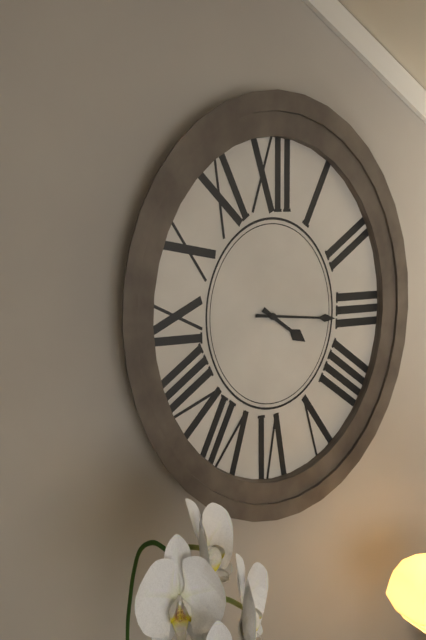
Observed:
4h16
